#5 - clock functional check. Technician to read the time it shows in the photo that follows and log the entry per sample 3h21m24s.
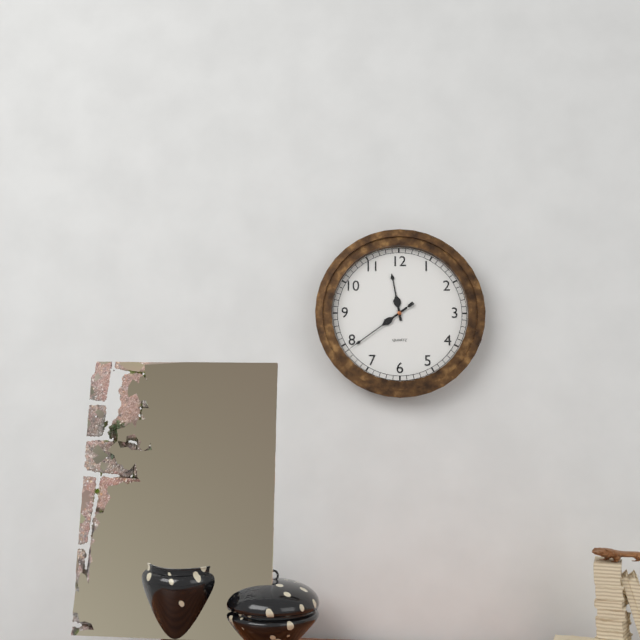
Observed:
11h39m39s
